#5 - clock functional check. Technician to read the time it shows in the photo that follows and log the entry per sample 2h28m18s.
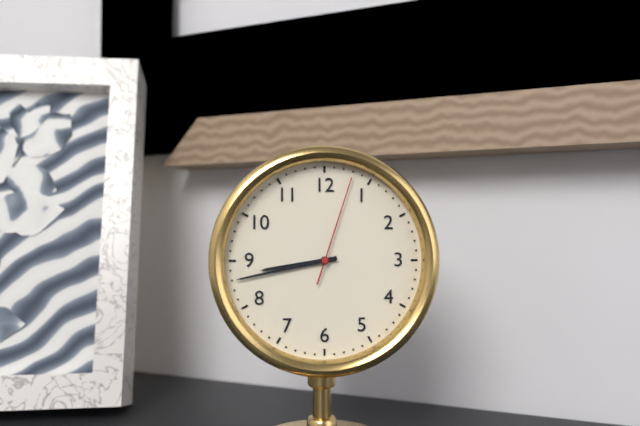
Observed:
8h43m03s
